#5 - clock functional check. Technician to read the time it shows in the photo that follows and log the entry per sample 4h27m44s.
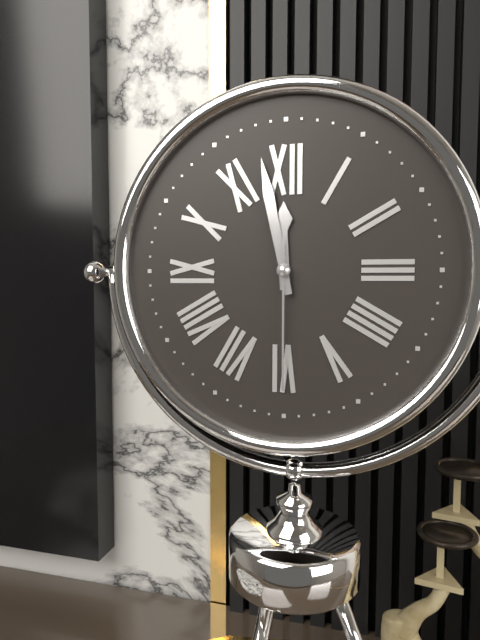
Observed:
11h58m30s
